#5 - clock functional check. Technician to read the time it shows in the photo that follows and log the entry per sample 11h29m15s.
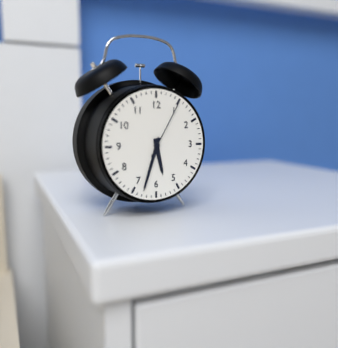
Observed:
5h33m05s
